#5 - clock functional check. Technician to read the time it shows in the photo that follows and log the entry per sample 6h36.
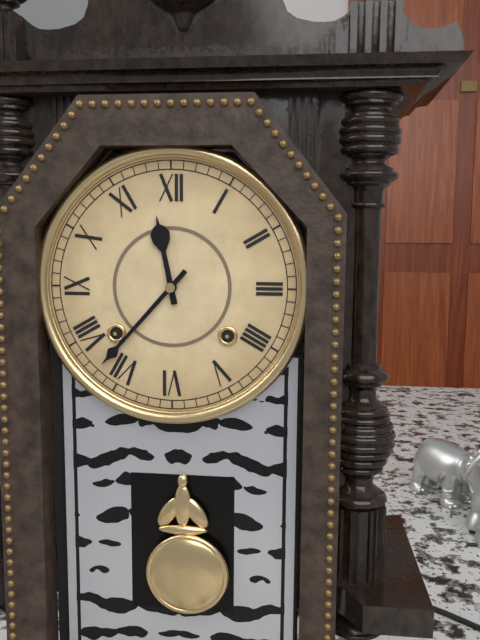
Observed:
11h37
